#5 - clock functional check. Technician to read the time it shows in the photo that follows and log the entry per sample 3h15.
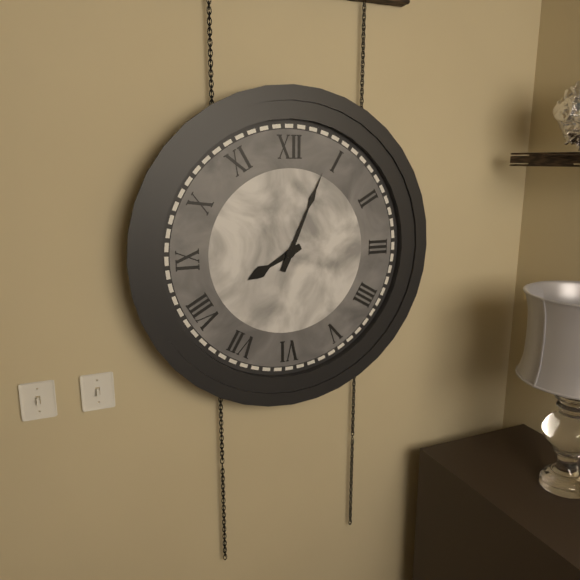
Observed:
8h04
